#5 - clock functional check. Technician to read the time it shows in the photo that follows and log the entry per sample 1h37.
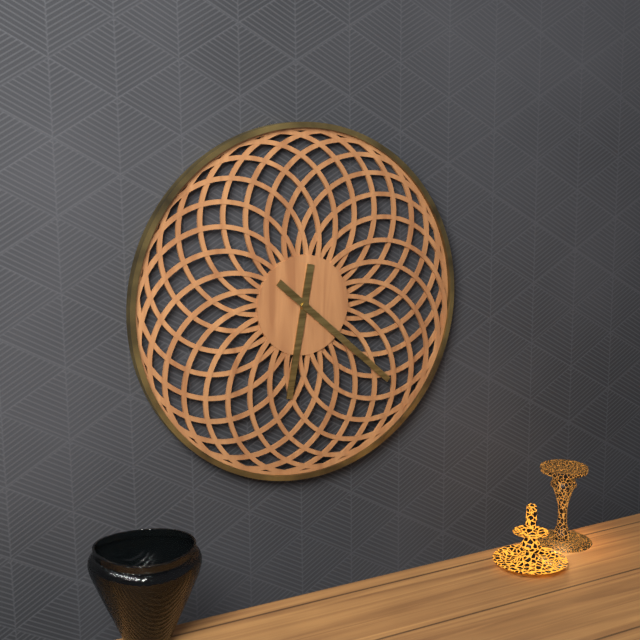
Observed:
6h22
